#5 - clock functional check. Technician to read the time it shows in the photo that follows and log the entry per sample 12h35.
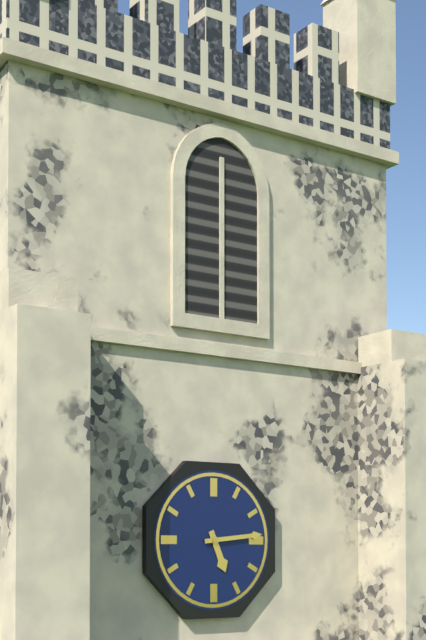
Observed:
5h14
